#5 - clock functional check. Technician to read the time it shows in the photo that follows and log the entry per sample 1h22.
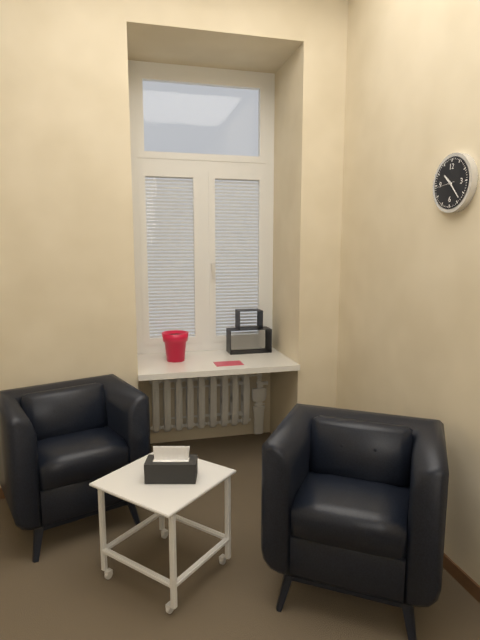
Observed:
10h23
